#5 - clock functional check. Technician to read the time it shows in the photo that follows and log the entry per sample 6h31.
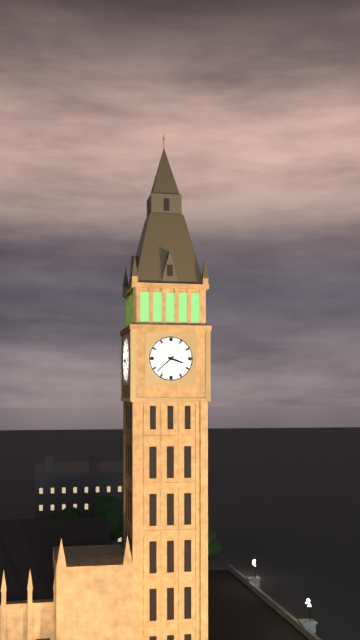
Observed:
3h38
